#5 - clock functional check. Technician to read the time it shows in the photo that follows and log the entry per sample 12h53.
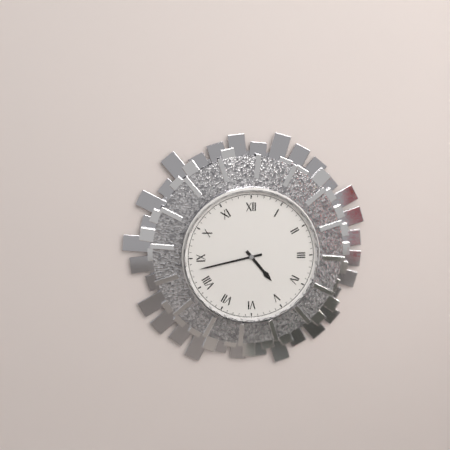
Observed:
4h43
